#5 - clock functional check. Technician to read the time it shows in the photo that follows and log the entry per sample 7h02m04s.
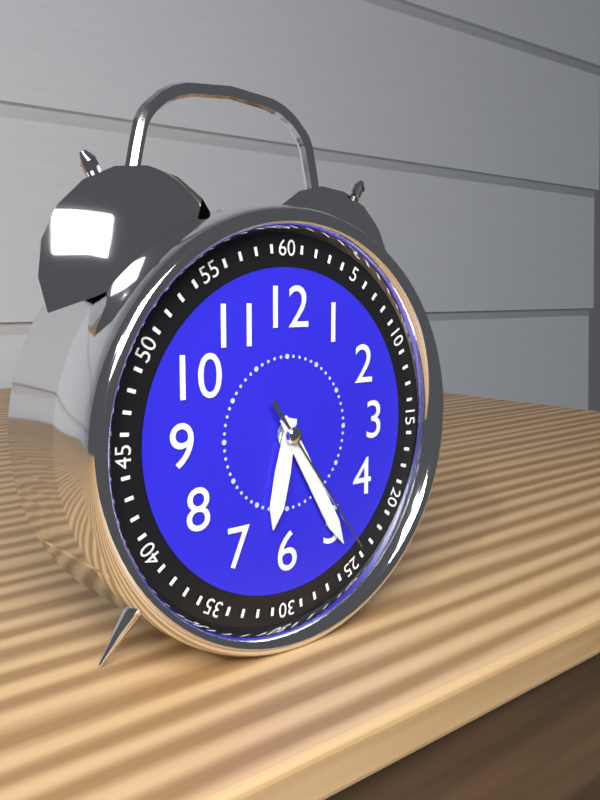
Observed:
6h25m24s
